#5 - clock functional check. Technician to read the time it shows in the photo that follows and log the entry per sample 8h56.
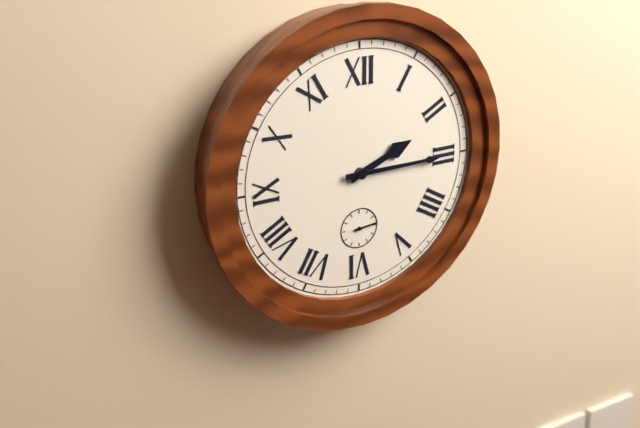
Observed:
2h15
